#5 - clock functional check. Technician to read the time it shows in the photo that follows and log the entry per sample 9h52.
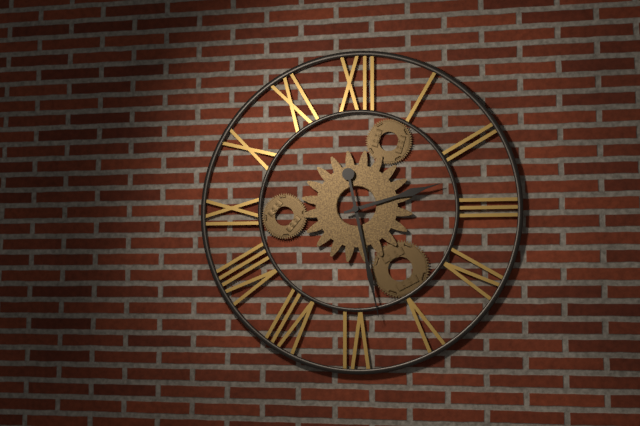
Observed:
2h28
